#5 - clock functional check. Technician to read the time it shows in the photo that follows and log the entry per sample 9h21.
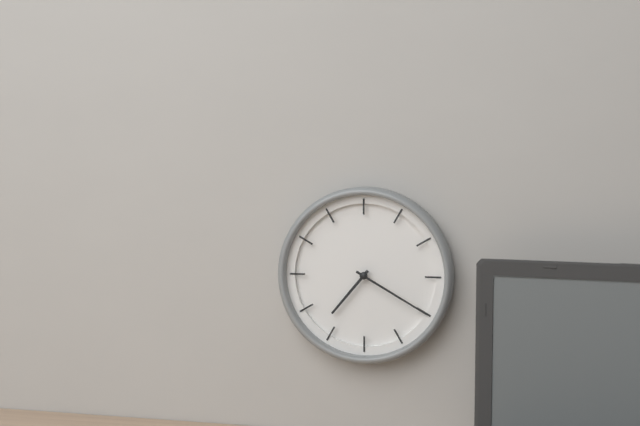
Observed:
7h20
